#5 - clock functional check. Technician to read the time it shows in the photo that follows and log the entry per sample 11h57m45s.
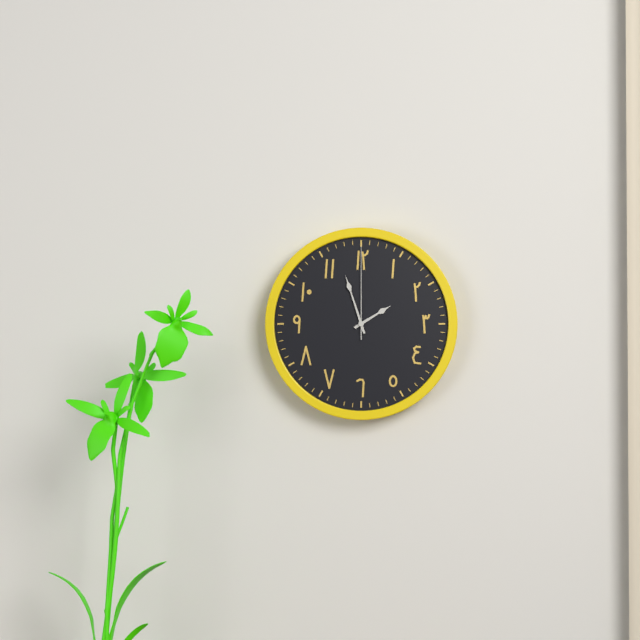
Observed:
1h57m00s
